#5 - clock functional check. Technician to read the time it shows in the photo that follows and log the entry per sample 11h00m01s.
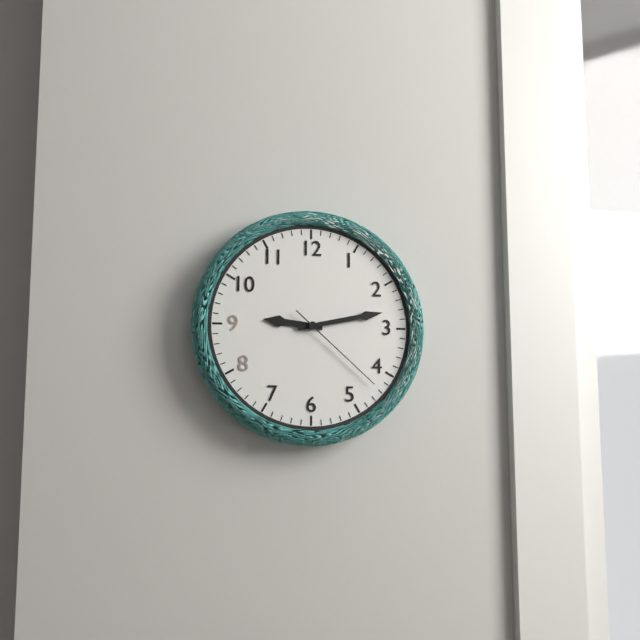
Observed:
9h13m22s
